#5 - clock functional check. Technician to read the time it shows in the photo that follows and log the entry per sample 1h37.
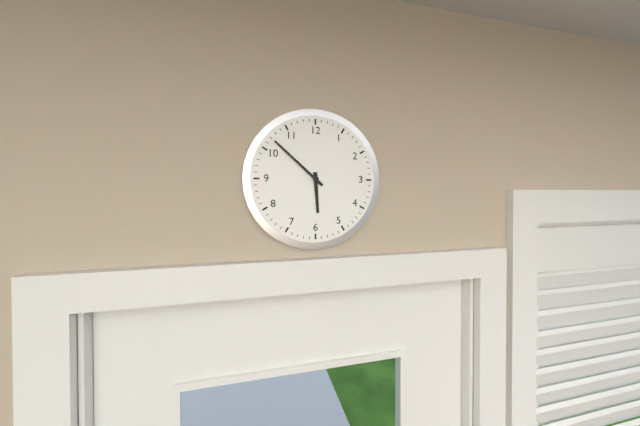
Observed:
5h52
